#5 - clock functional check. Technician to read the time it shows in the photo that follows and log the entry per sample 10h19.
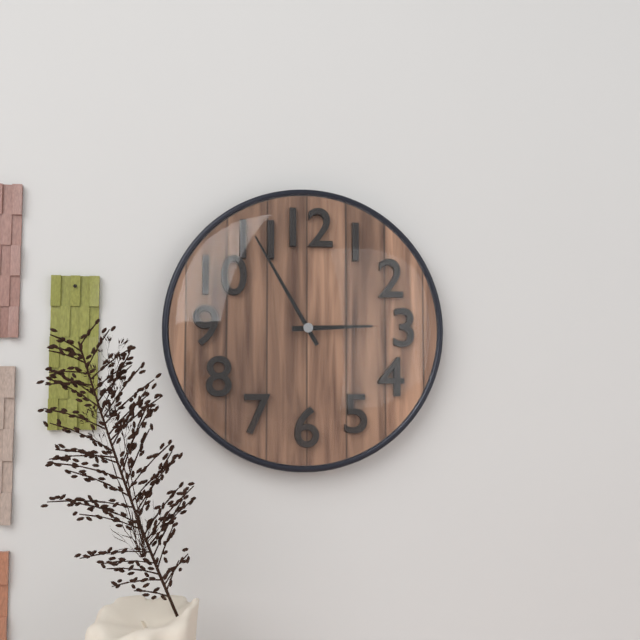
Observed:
2h55
